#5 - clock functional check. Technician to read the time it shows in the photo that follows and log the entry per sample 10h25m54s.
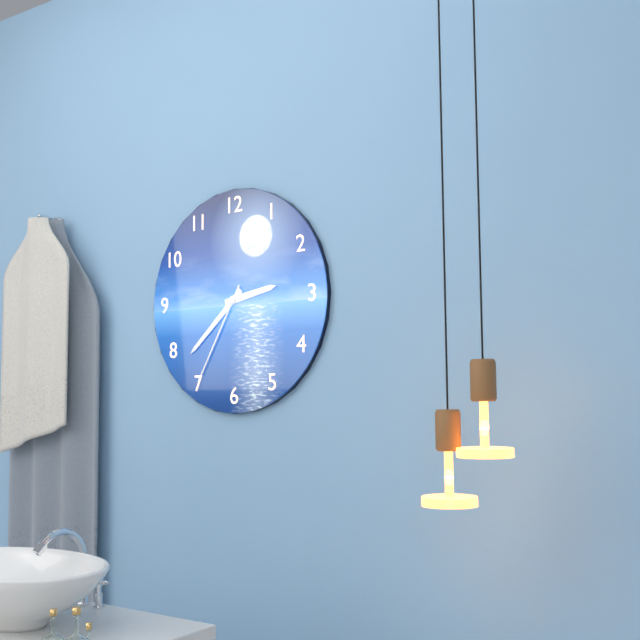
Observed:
2h38m35s
